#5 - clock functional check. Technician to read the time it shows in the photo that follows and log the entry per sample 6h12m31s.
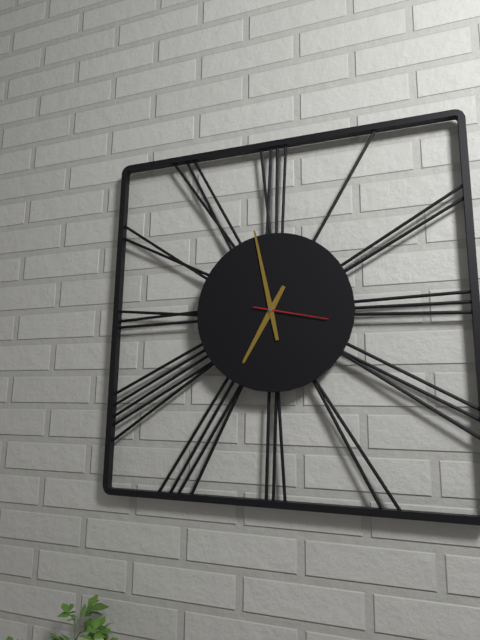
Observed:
6h58m17s
